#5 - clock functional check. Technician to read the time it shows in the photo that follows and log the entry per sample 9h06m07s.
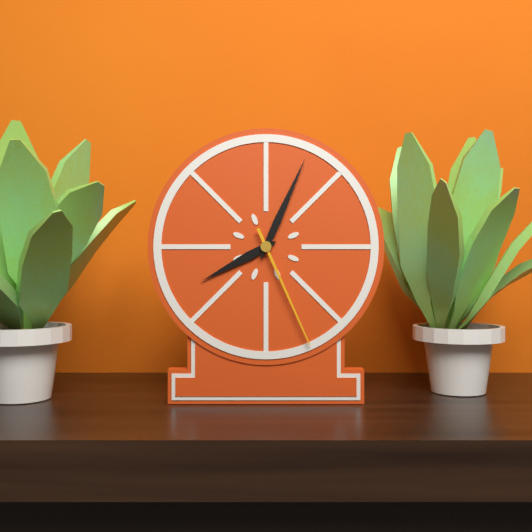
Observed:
8h04m26s
